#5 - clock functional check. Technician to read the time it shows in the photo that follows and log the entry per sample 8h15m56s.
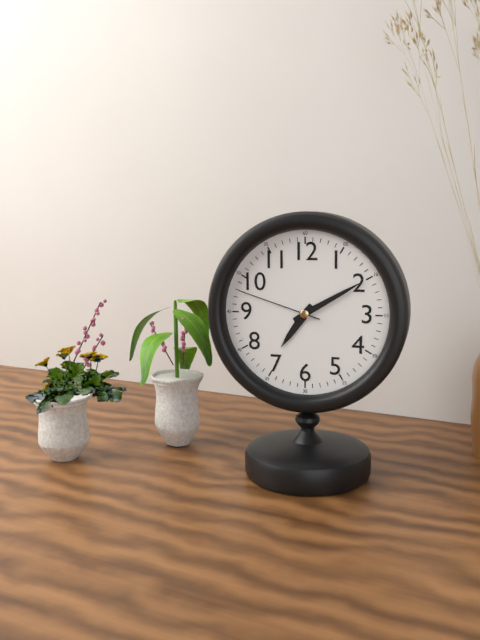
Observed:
7h10m48s
